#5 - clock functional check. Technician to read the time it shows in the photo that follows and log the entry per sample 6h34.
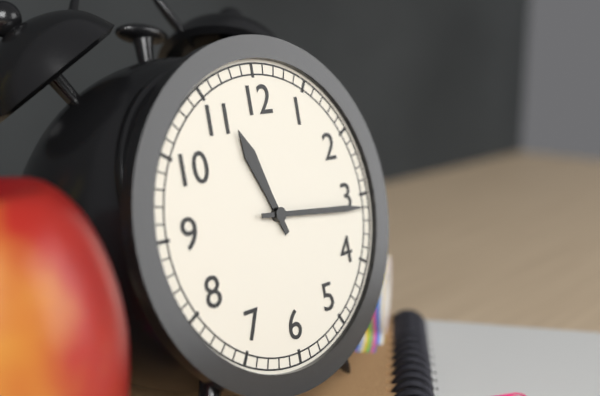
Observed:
11h16
